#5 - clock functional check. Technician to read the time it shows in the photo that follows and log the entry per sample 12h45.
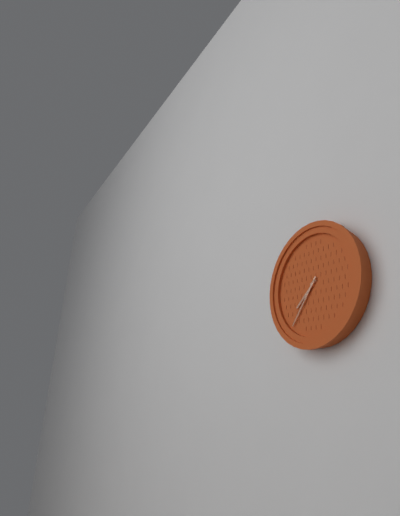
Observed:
7h36
